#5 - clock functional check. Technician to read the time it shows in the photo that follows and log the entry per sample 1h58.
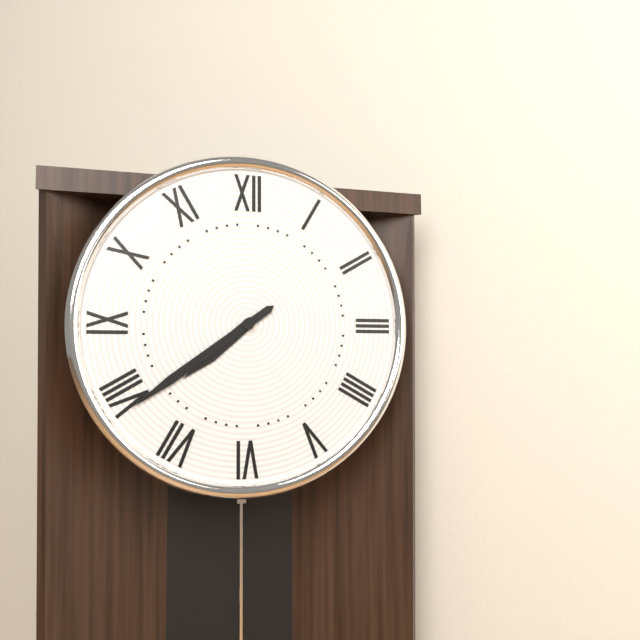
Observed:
7h39
